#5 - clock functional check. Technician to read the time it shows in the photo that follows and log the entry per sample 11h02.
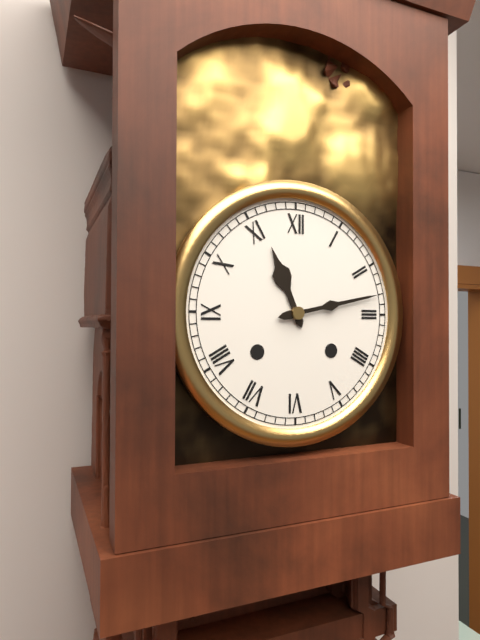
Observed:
11h13
